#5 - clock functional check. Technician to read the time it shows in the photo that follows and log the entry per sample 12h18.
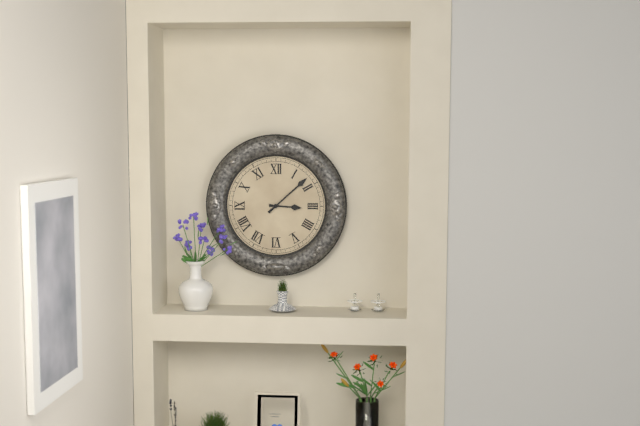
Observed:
3h08
